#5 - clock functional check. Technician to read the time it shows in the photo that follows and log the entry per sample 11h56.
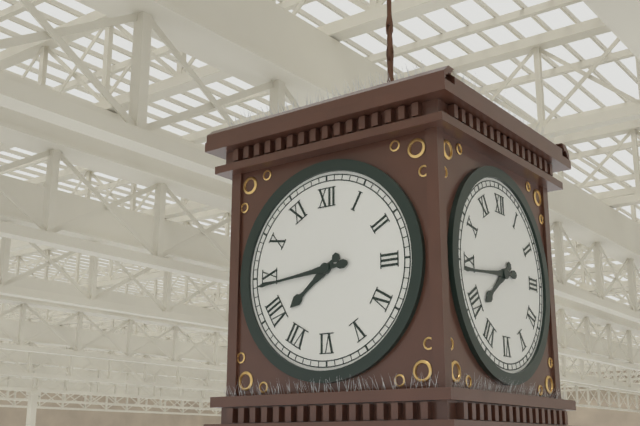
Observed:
7h44
